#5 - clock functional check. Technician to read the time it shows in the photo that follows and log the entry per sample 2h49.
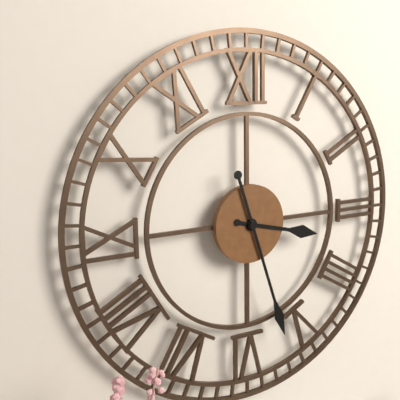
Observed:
3h27
